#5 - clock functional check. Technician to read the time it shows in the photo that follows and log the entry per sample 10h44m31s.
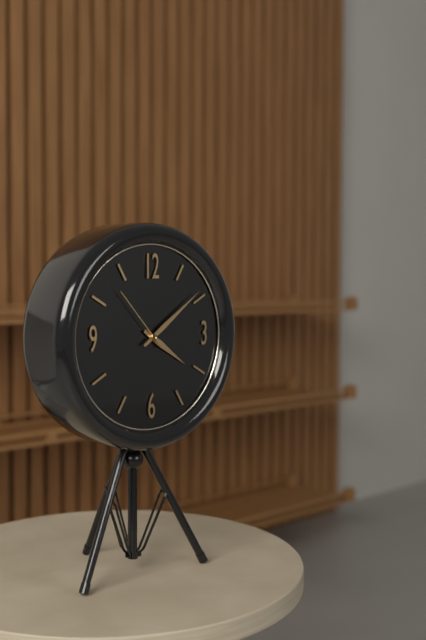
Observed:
4h09m53s
